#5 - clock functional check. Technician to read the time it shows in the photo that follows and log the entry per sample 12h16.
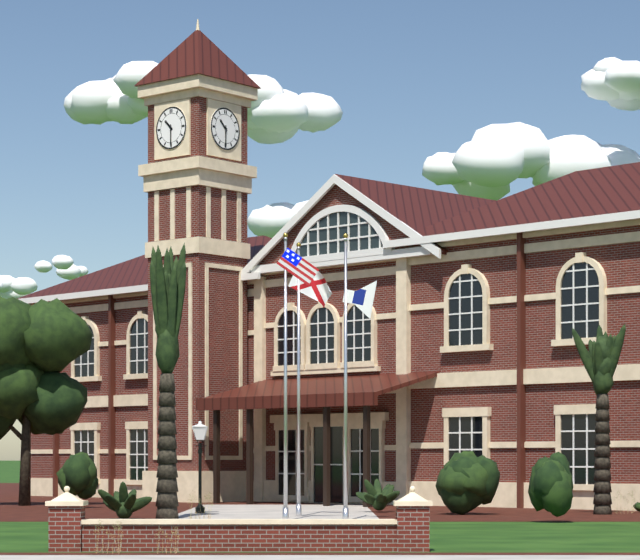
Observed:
10h30
